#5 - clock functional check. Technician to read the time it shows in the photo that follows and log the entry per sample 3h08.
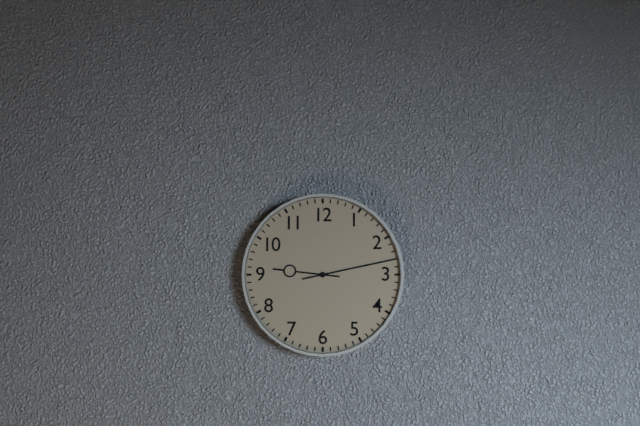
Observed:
9h13
